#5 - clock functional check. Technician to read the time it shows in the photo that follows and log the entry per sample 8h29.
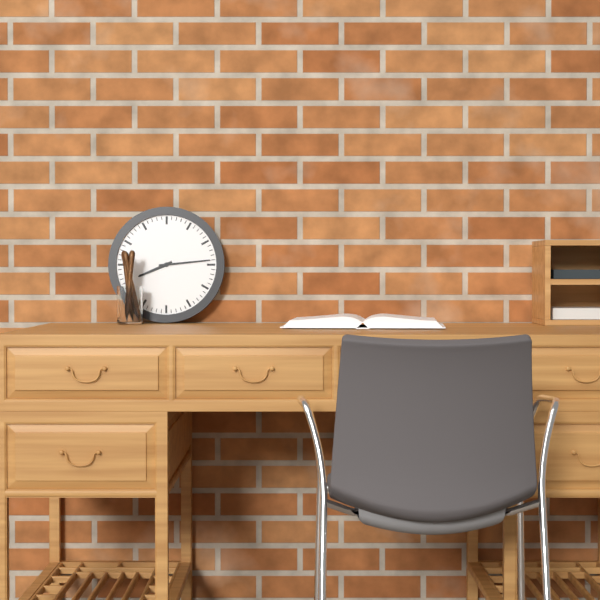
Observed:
8h14
